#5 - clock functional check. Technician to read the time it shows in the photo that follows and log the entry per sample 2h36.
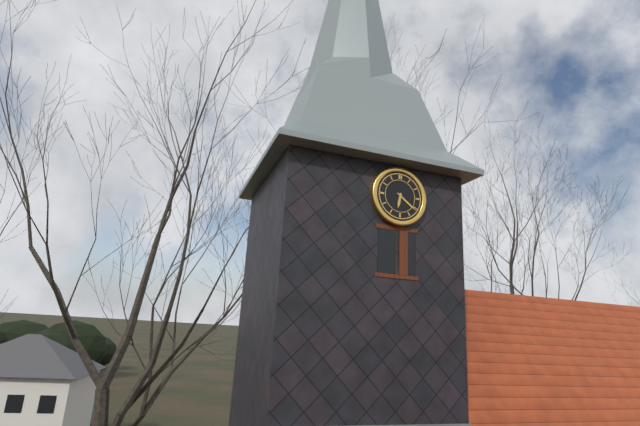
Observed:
6h21
